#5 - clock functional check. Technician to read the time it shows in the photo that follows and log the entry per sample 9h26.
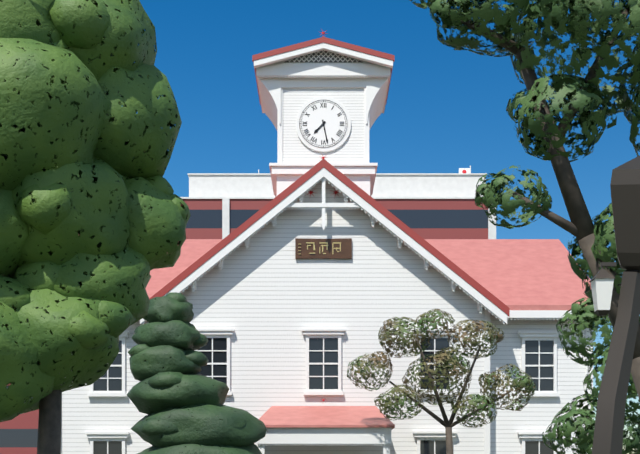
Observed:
7h28
